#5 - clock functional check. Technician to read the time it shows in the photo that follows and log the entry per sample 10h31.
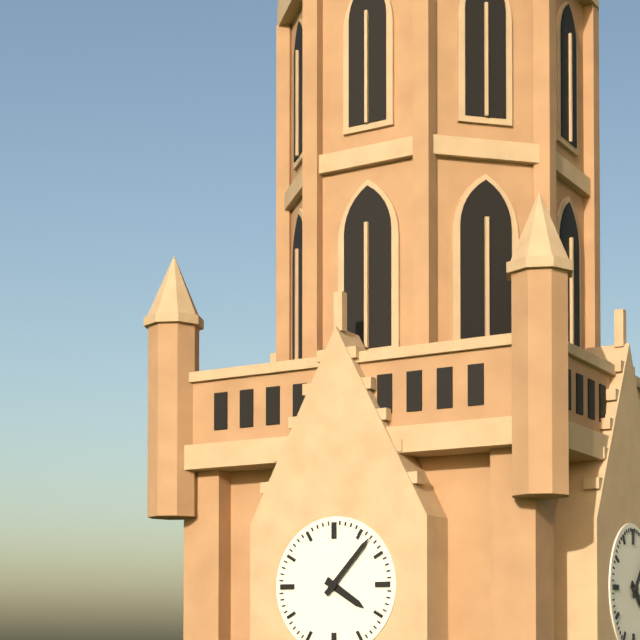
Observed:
4h07
